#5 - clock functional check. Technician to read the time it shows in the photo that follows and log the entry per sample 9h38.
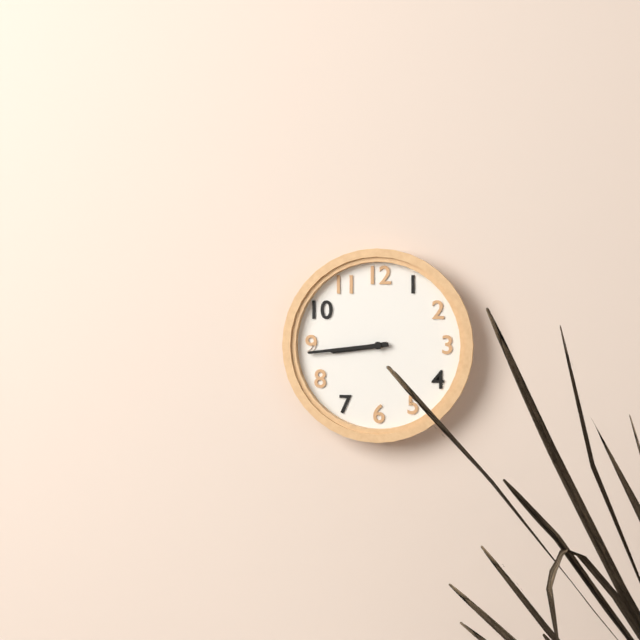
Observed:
8h44
